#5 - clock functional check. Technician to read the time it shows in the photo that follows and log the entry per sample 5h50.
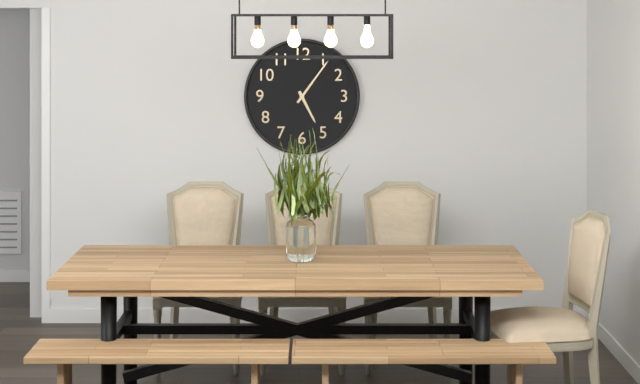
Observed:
5h06
